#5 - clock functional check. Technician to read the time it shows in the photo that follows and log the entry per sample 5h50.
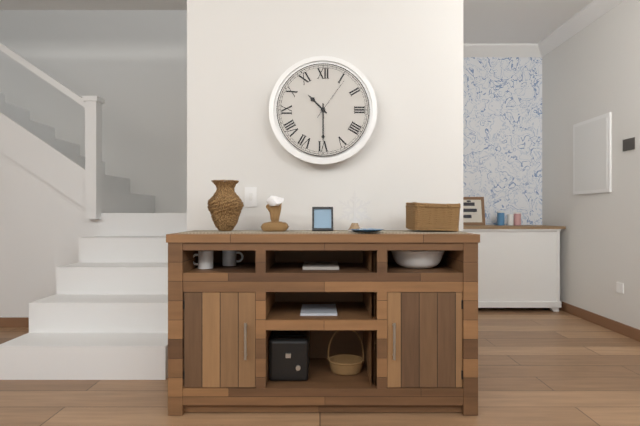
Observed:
10h30
